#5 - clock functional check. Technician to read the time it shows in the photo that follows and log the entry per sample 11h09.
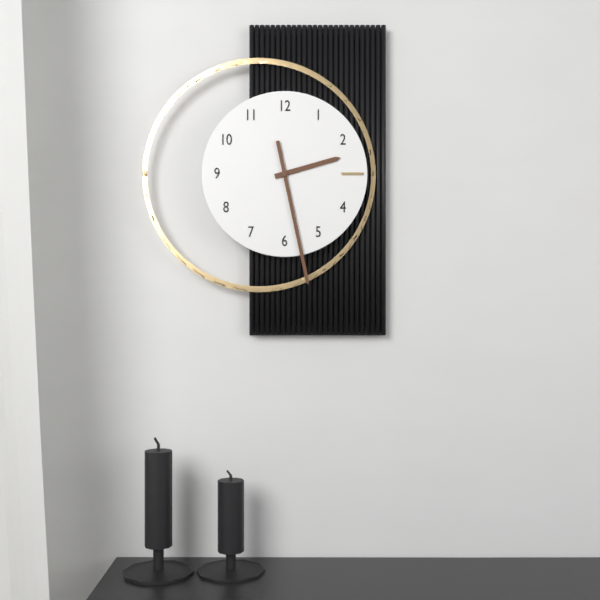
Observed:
2h28
